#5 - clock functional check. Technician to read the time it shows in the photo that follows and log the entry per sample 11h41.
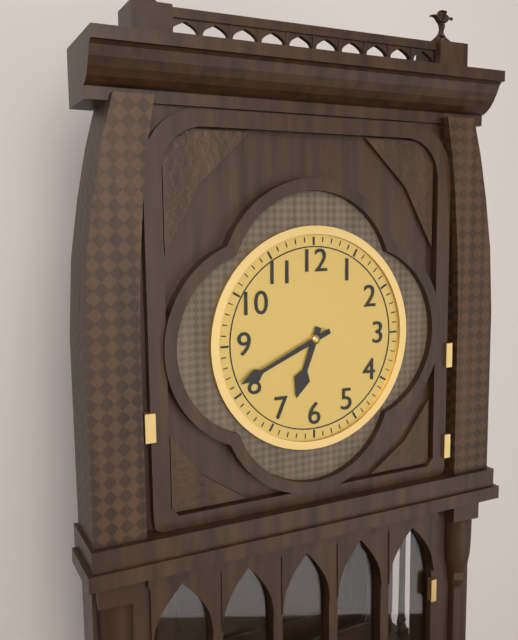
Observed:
6h41
